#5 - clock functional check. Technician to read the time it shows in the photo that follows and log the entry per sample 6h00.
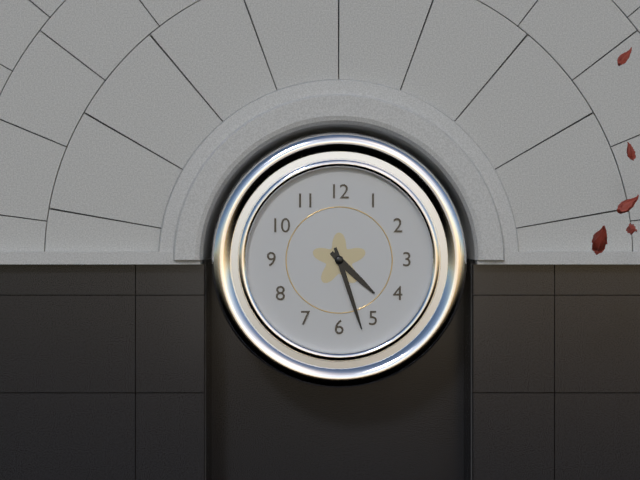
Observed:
4h27
